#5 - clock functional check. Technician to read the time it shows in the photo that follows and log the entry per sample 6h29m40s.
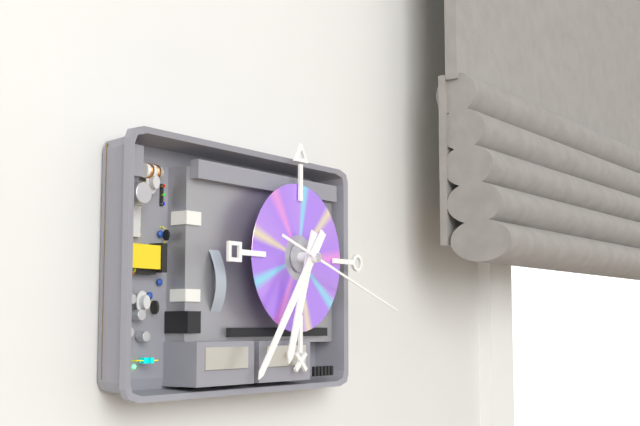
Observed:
6h36m18s
